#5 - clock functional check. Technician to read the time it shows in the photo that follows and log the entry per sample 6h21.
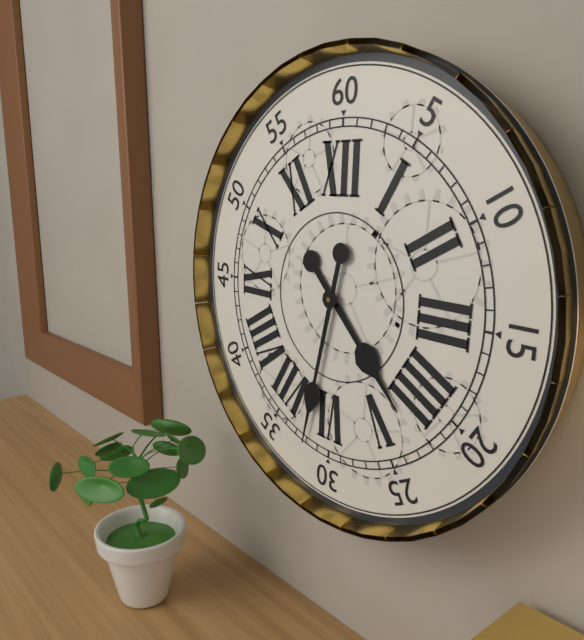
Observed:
4h32
